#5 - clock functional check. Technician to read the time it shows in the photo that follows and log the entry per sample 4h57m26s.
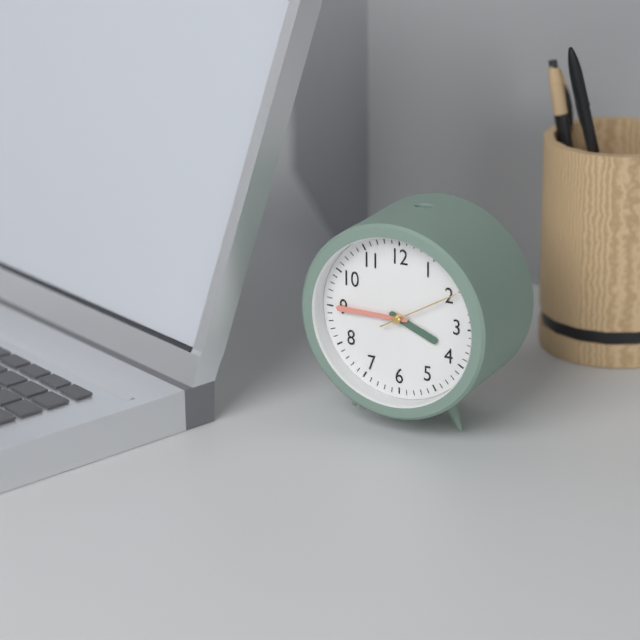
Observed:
3h45m10s
